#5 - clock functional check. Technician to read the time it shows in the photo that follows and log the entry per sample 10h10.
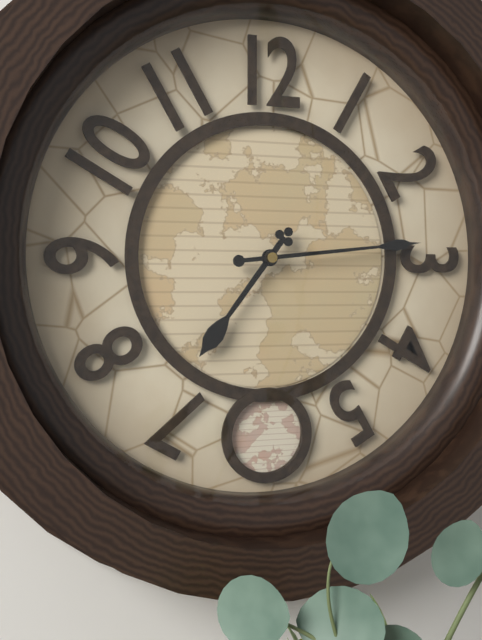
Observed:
7h14
